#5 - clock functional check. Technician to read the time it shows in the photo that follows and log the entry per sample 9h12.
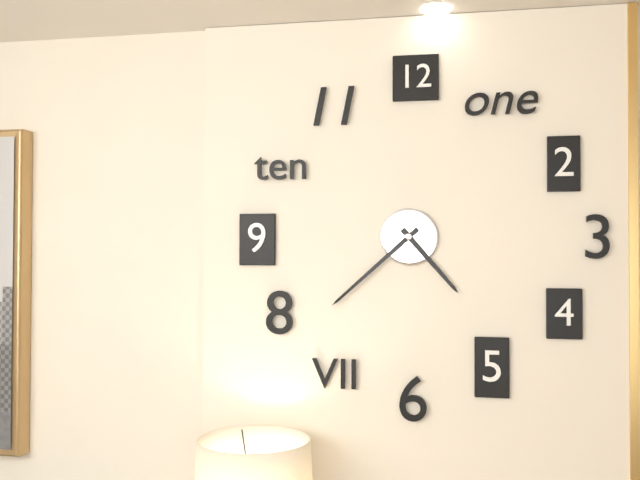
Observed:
4h38
